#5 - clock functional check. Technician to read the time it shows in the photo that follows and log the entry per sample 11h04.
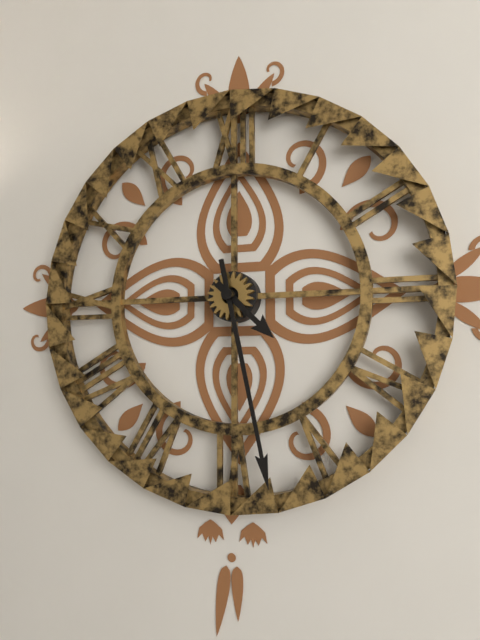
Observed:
4h28
